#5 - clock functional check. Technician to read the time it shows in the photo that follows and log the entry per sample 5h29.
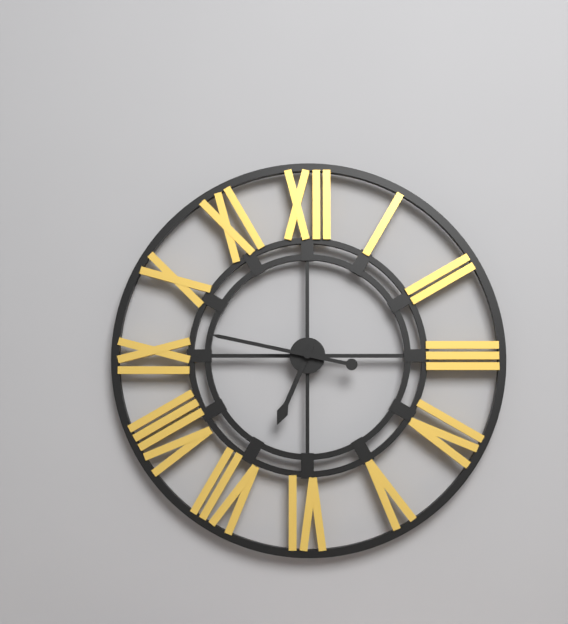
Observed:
6h47
